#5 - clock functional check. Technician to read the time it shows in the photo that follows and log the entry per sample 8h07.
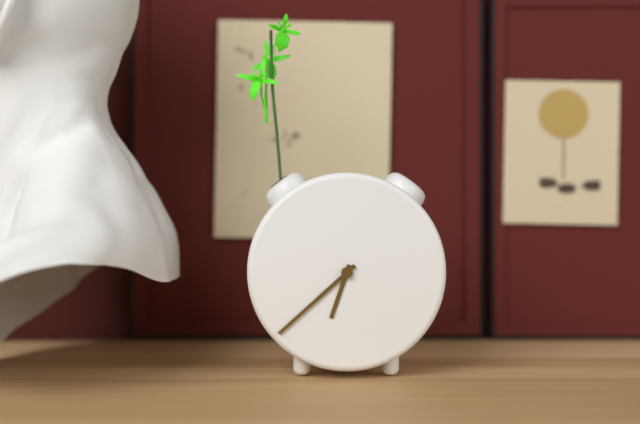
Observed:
6h38
